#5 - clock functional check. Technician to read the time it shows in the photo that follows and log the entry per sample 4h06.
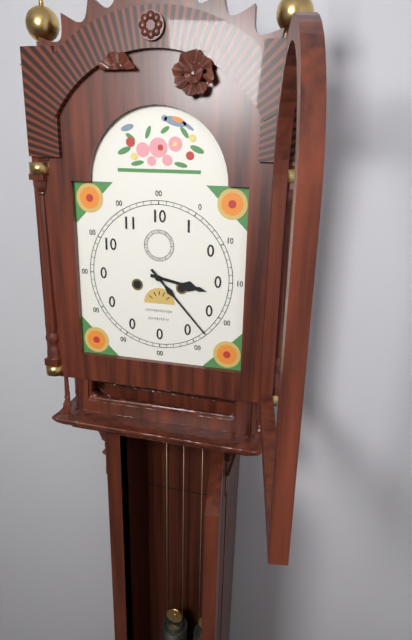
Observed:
3h23
